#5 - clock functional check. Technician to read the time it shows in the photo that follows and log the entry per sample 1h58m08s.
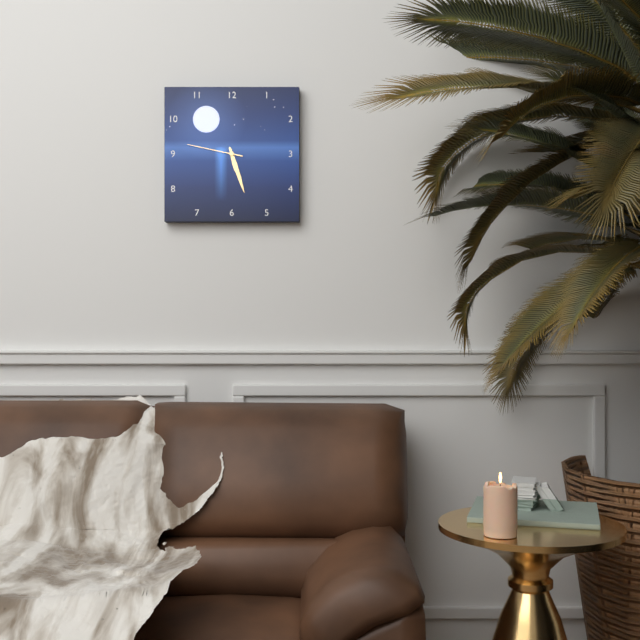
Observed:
5h27m47s
